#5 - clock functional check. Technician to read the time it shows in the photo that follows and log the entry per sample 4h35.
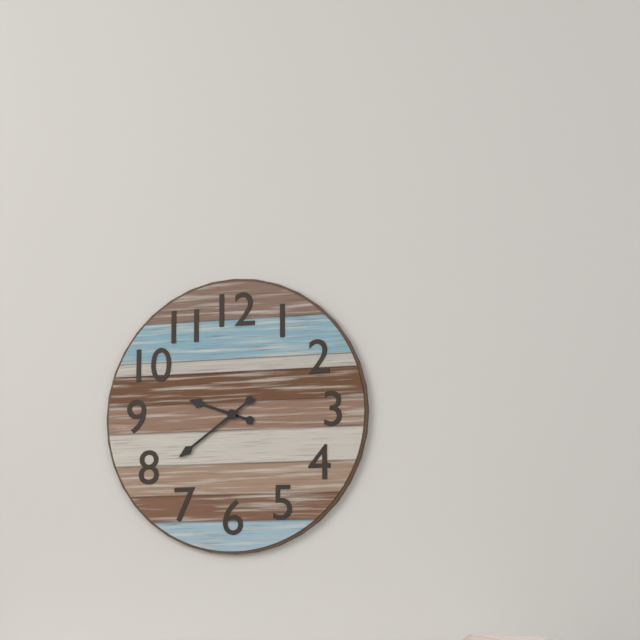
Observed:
9h39
